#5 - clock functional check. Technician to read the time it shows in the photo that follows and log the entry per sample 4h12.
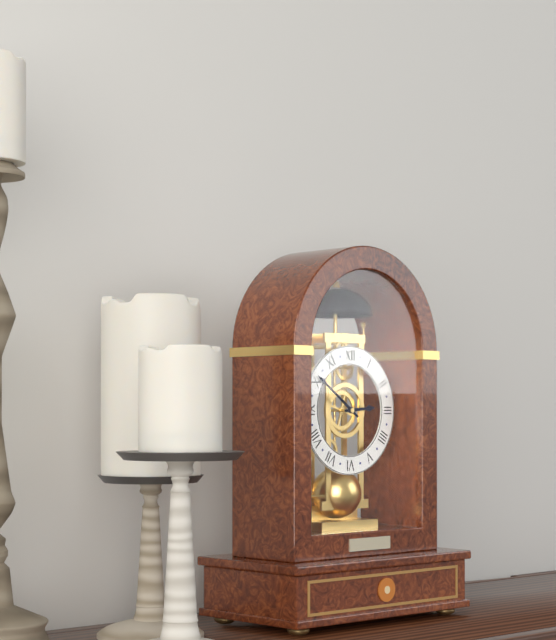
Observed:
2h51
